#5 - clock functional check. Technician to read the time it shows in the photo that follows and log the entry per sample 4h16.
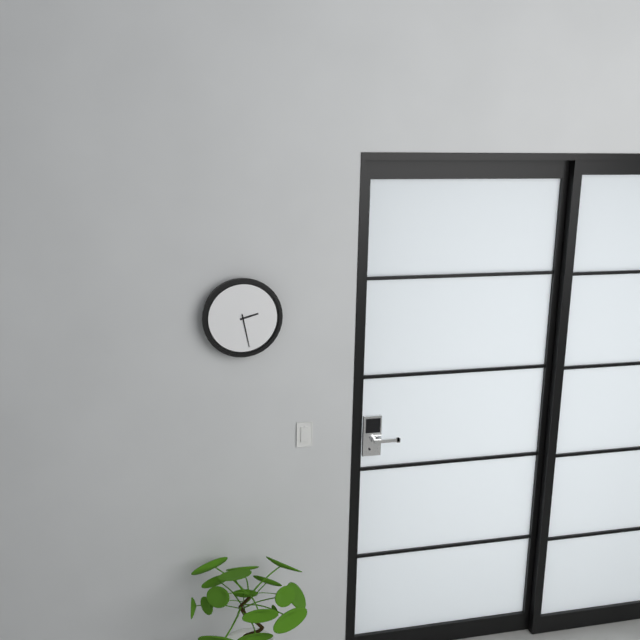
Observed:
2h28
